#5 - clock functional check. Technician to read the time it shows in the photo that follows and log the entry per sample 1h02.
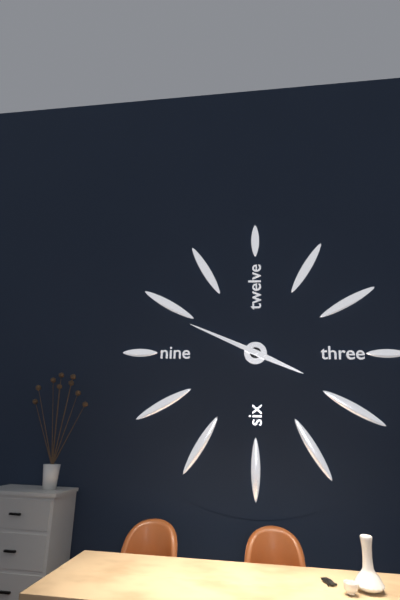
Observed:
3h49
